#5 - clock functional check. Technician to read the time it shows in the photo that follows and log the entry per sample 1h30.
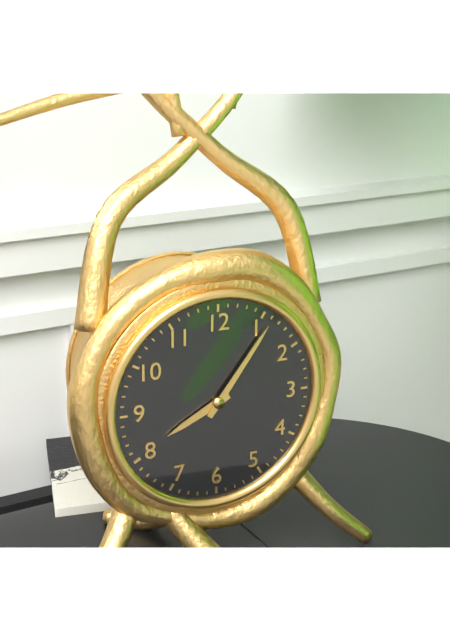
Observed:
8h06
